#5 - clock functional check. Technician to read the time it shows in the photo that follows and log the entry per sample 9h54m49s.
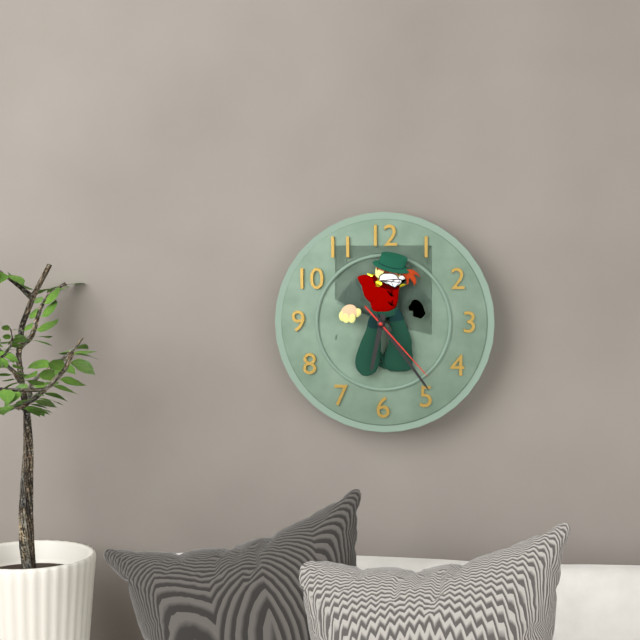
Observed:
6h24m23s
